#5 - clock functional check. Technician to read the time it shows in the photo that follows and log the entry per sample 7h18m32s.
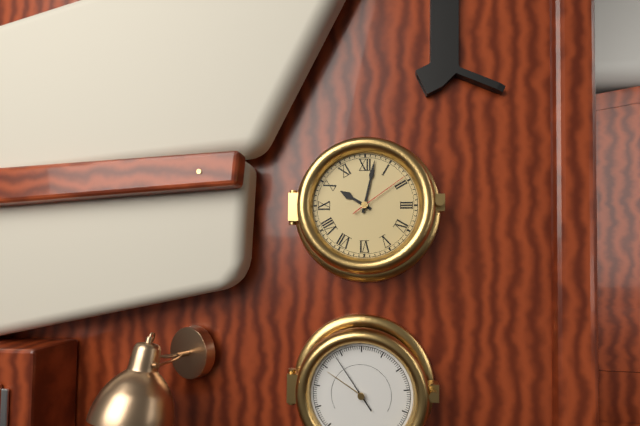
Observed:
10h02m09s
